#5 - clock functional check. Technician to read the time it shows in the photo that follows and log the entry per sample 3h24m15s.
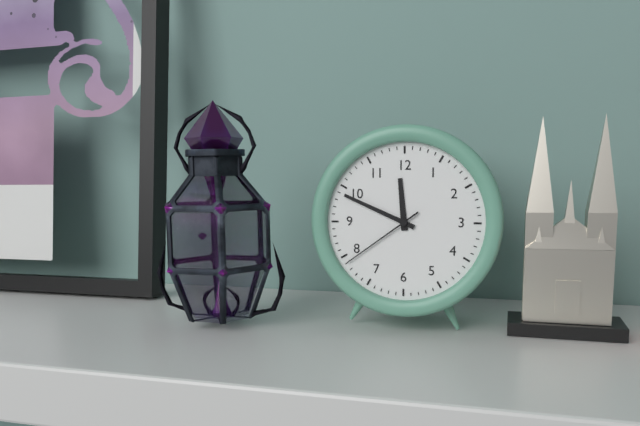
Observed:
11h49m39s
